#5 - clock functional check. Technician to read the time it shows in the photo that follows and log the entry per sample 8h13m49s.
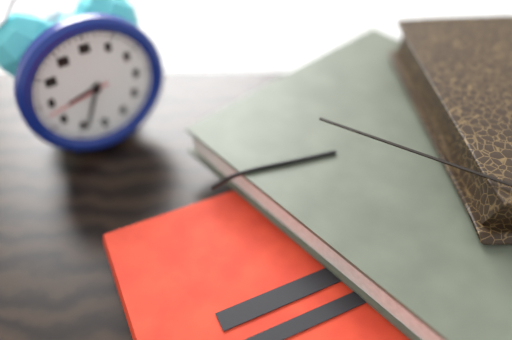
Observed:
8h34m43s
